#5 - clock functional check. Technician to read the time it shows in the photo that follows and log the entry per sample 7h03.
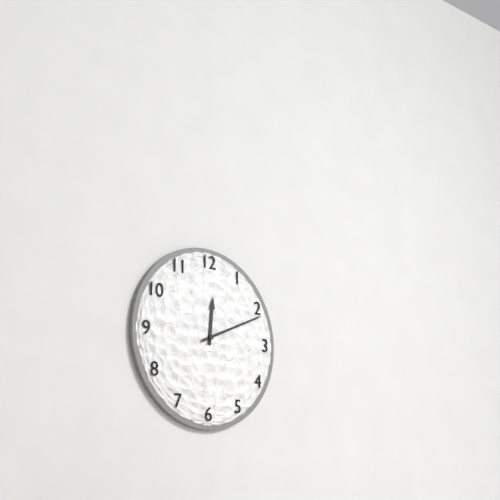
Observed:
12h11
